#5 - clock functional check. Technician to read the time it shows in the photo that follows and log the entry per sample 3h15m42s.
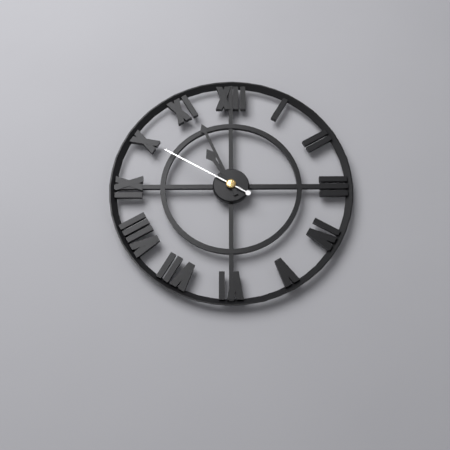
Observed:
10h56m50s
